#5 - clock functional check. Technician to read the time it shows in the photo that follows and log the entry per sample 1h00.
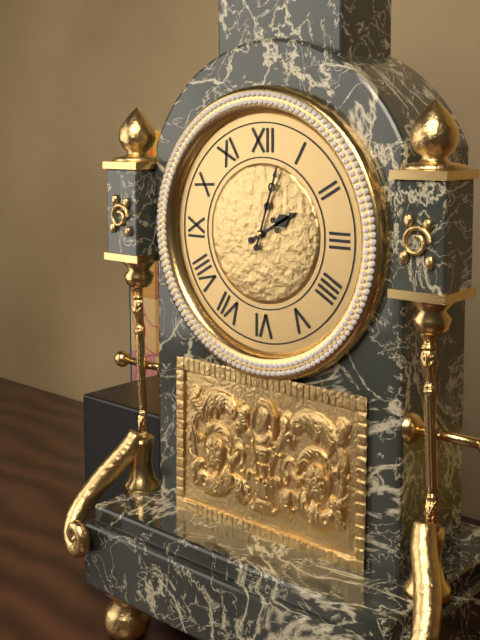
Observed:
2h03
